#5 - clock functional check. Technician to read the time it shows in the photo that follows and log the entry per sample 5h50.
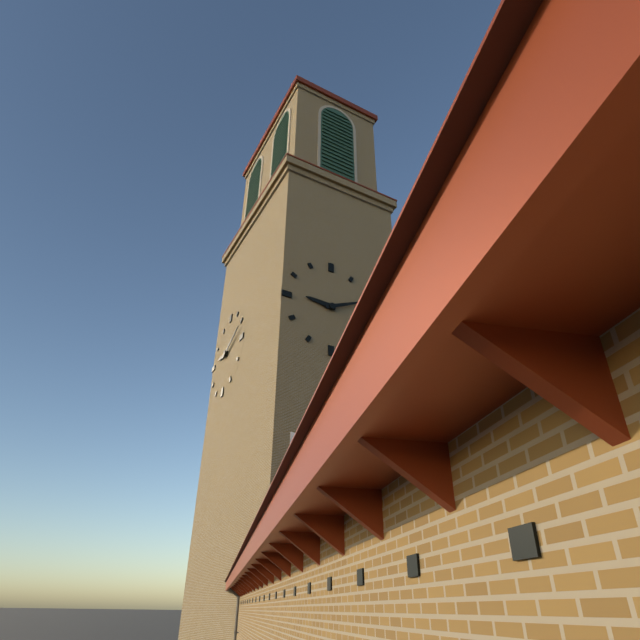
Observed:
9h11
